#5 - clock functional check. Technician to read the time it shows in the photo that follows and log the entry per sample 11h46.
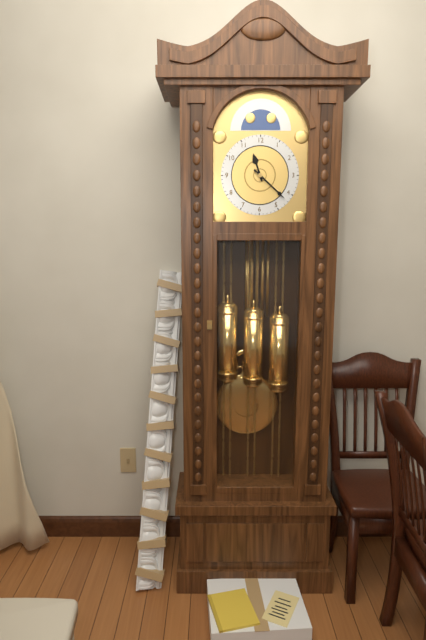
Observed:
11h22
